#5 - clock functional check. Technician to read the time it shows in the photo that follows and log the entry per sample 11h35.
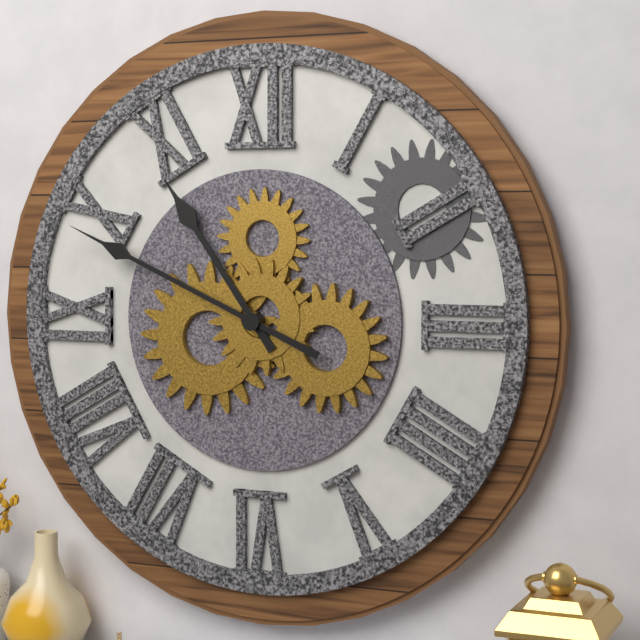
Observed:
10h49
